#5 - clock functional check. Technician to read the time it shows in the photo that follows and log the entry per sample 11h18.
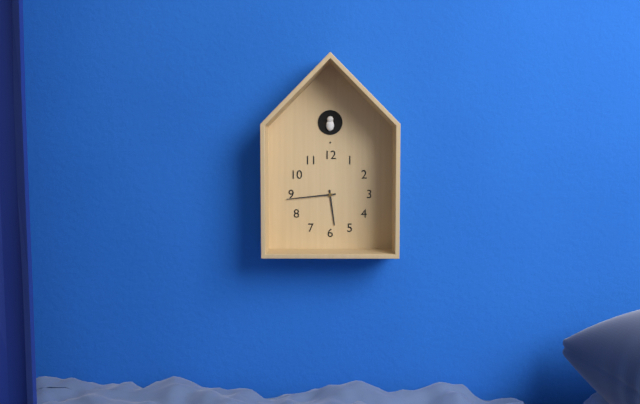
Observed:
5h44
